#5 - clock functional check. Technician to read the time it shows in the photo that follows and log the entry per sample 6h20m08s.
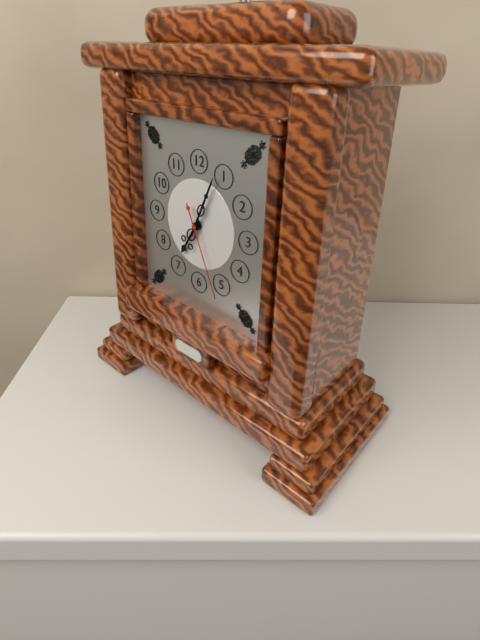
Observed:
7h04m26s
